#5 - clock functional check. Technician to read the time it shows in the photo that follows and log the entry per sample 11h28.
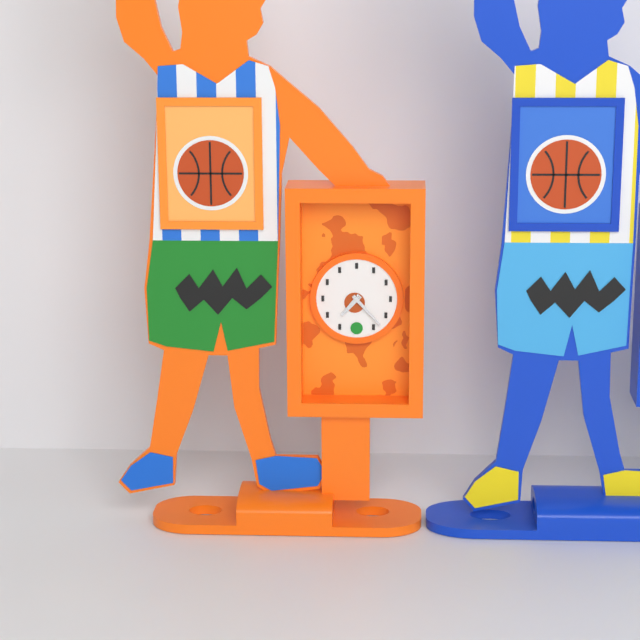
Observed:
7h23
